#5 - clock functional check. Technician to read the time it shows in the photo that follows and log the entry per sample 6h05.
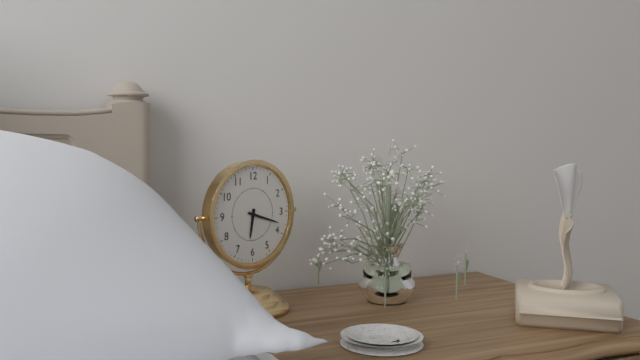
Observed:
6h18
